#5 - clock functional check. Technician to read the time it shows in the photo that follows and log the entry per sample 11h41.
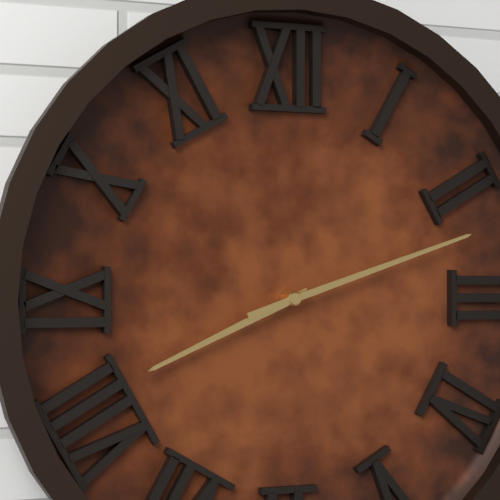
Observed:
8h12
